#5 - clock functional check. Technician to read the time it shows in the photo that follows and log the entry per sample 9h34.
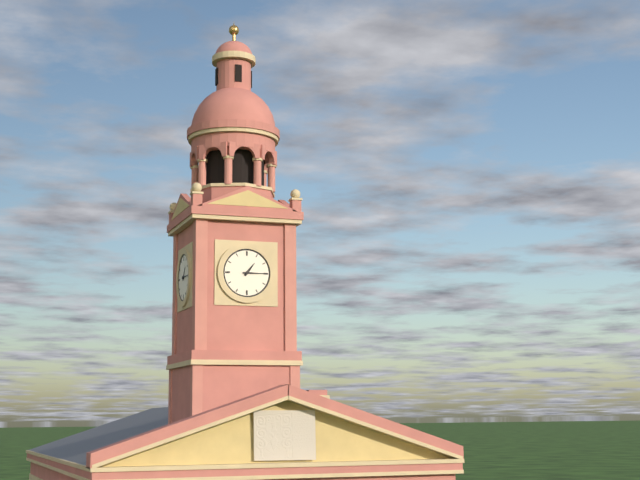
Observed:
1h15
